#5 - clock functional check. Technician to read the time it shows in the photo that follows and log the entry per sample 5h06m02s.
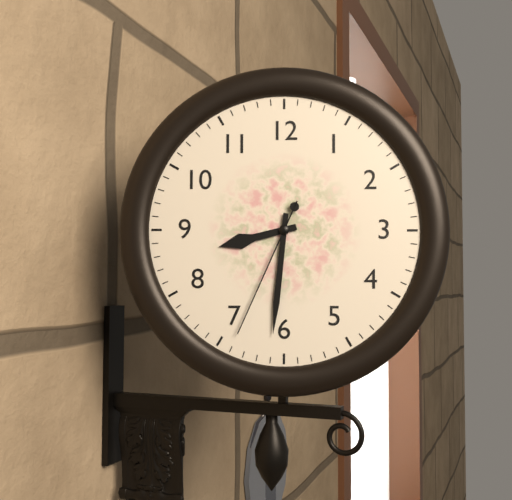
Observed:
8h31m34s
